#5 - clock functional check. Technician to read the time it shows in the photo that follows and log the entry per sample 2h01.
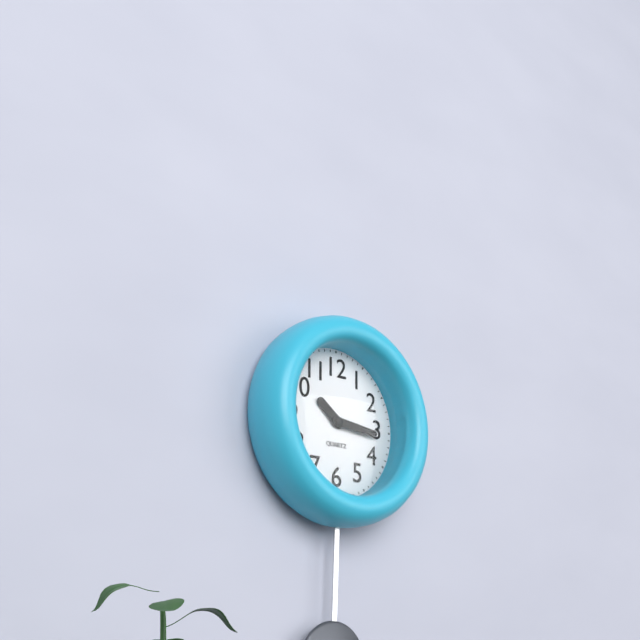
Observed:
10h16
